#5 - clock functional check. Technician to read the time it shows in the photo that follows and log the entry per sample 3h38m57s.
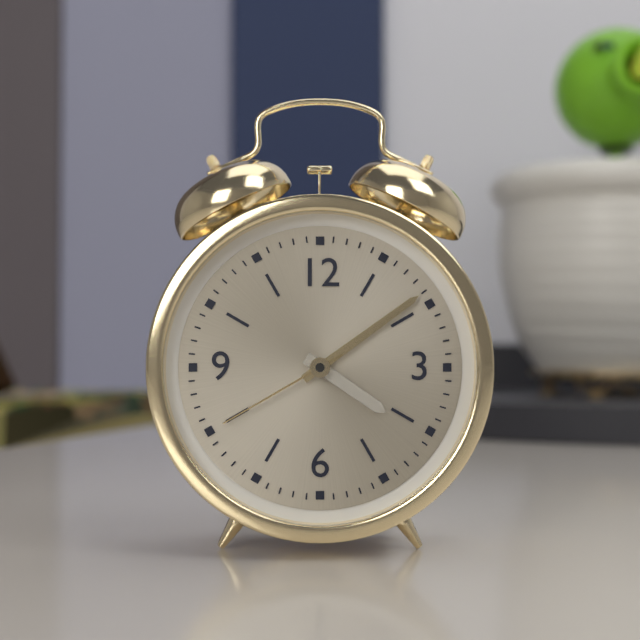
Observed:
4h09m40s
